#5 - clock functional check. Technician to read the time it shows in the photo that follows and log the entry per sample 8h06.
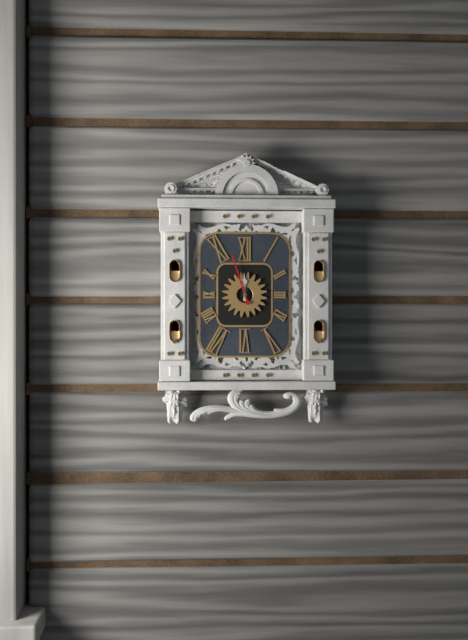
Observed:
11h57
